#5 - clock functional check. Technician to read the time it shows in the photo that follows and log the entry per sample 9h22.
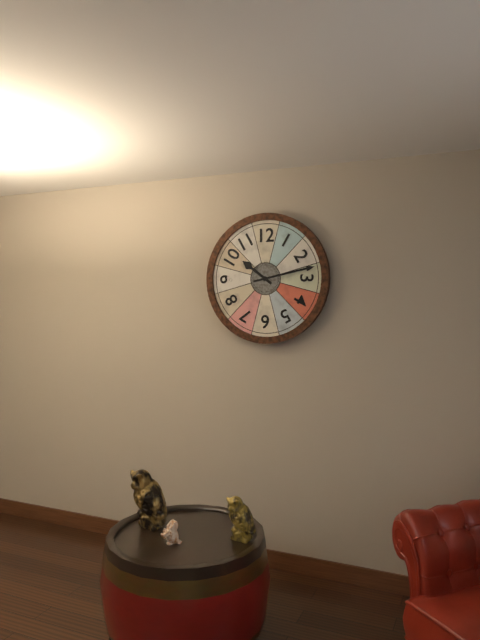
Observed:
10h13
